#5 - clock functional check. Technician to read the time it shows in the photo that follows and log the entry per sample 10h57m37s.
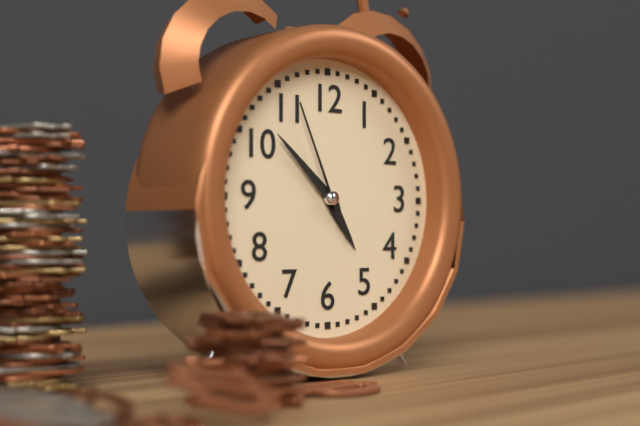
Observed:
4h52m56s
